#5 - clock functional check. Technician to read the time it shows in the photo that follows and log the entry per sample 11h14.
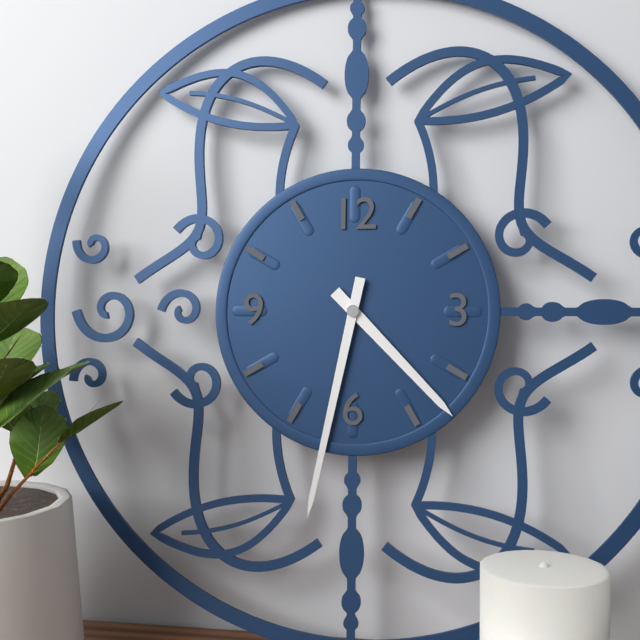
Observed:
4h32
